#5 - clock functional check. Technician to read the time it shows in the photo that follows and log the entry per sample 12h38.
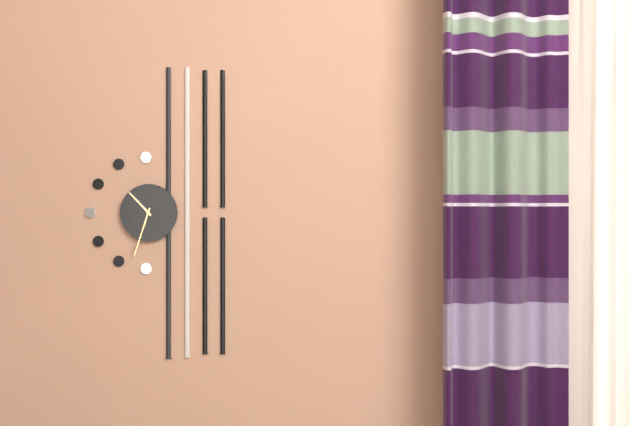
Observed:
10h33
